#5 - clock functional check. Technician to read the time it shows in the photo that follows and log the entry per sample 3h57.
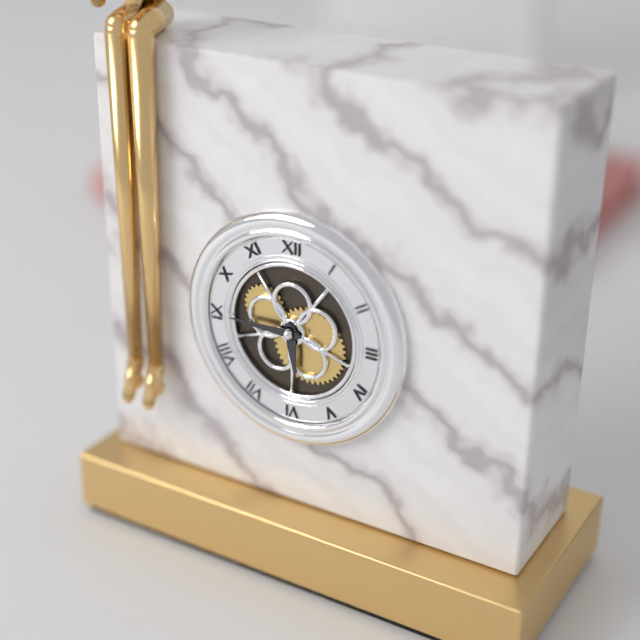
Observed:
5h45
